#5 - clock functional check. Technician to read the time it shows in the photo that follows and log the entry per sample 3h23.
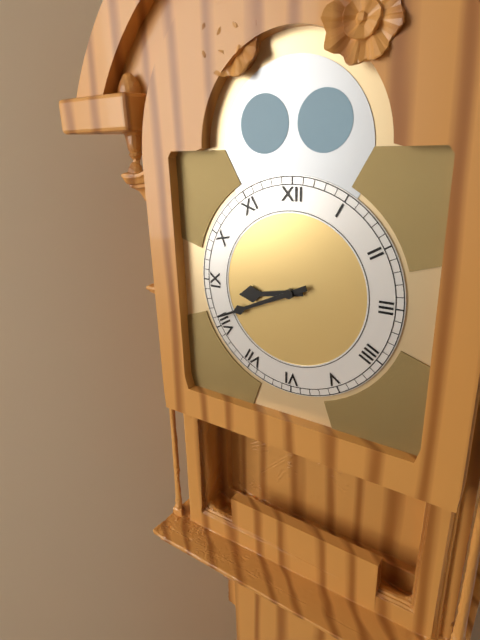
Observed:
8h41
